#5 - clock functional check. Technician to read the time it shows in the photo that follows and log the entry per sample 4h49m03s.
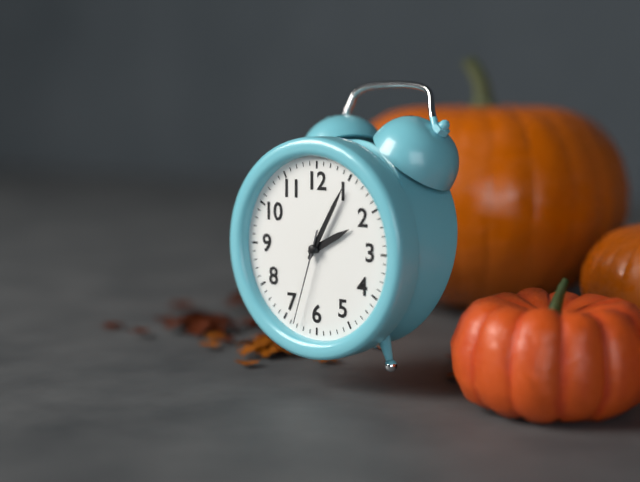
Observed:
2h05m33s
